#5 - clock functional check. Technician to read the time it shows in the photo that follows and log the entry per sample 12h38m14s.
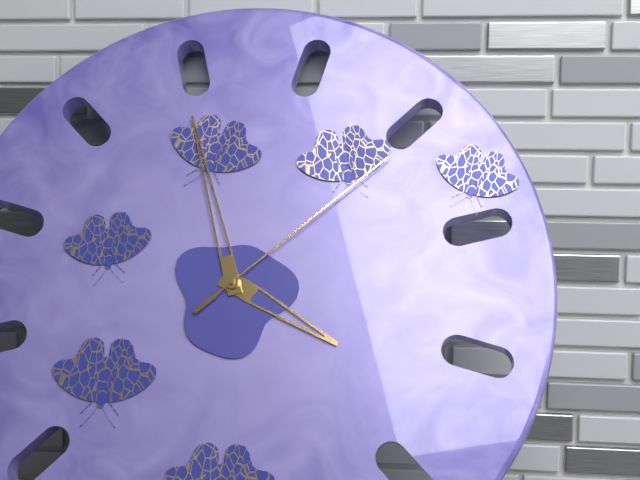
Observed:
3h57m08s
